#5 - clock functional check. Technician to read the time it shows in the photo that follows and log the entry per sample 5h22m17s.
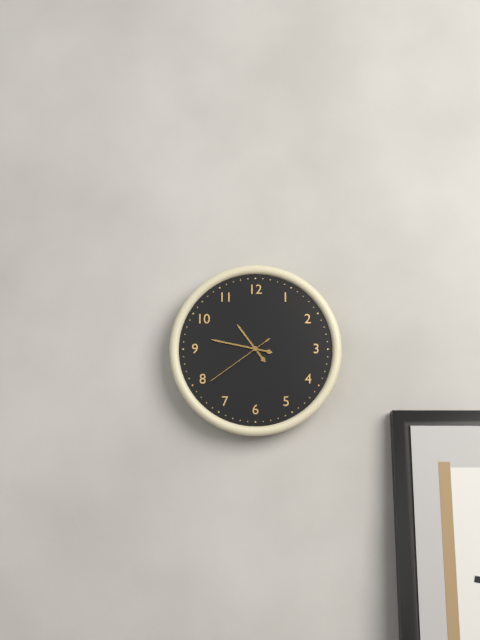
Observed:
10h47m39s
